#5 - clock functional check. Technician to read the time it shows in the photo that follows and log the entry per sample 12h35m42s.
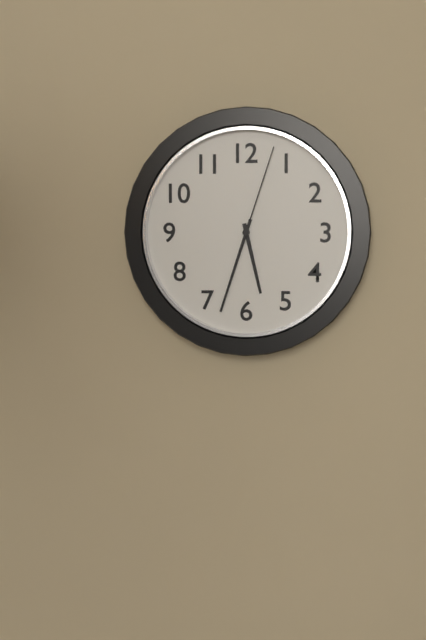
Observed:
5h33m03s
